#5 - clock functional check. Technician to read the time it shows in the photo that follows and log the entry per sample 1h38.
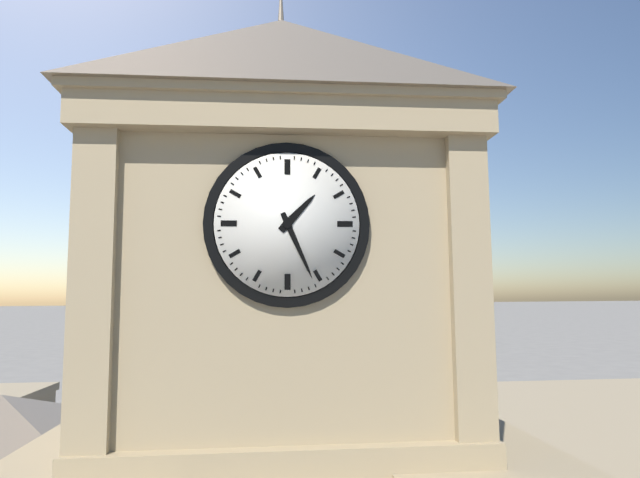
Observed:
1h26
